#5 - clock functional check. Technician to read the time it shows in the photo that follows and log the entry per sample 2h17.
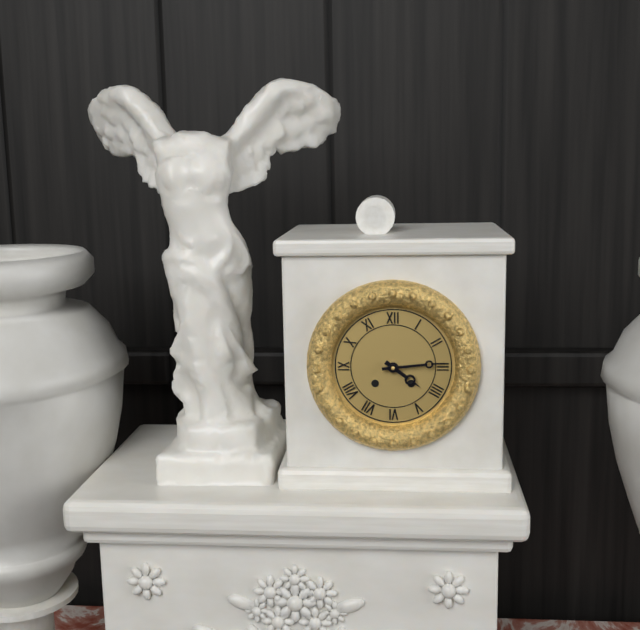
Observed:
4h14
